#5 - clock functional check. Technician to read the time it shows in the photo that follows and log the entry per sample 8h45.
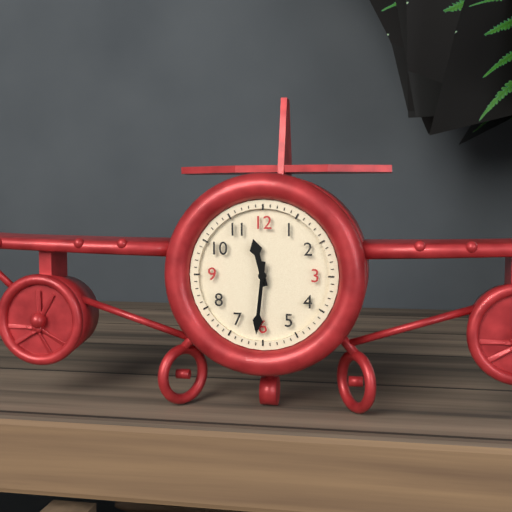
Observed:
11h31
